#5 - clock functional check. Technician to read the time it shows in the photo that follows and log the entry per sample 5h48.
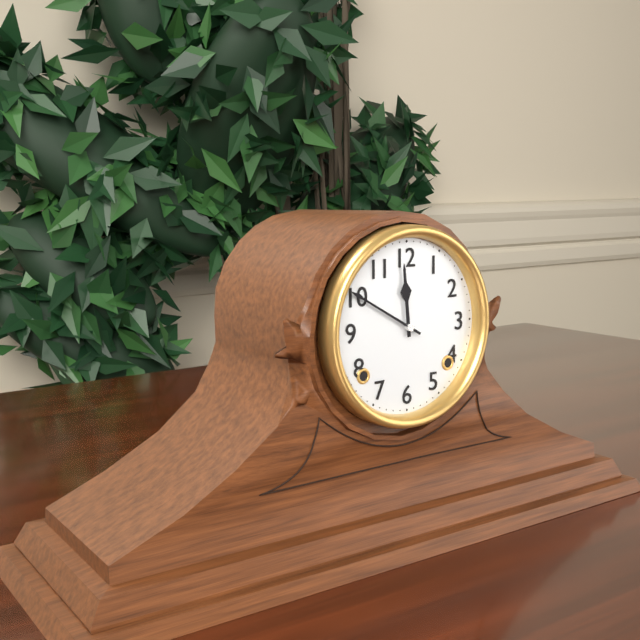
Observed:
11h50
